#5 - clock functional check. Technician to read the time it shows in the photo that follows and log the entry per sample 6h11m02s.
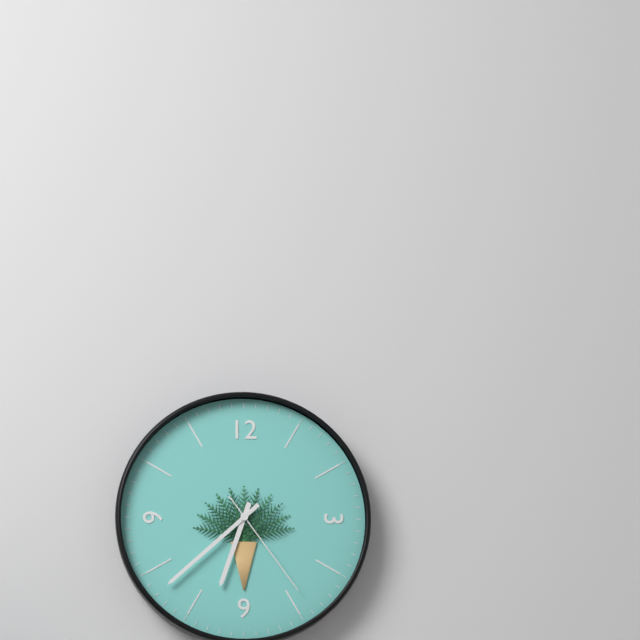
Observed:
6h38m24s
